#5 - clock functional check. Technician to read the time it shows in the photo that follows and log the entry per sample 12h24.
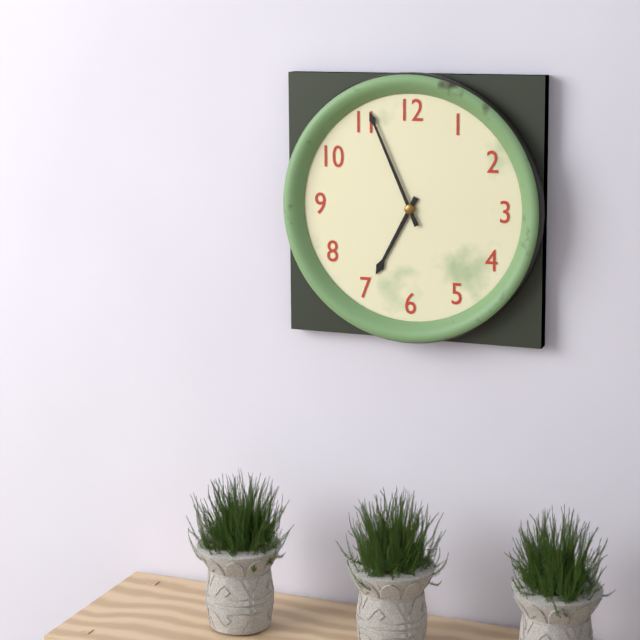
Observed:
6h56
